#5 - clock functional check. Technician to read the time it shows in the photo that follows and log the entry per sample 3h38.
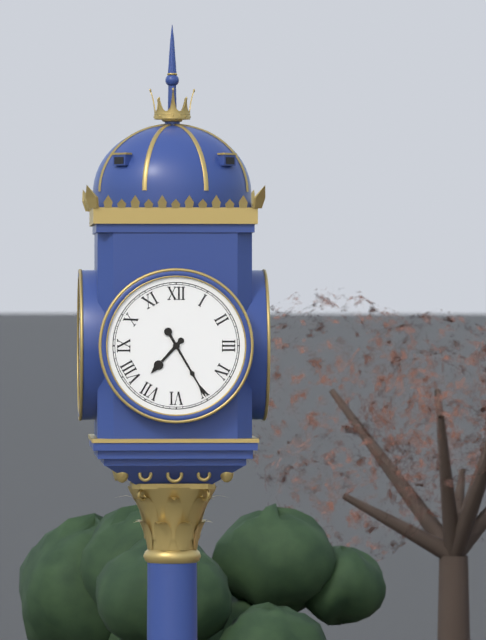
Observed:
7h25
